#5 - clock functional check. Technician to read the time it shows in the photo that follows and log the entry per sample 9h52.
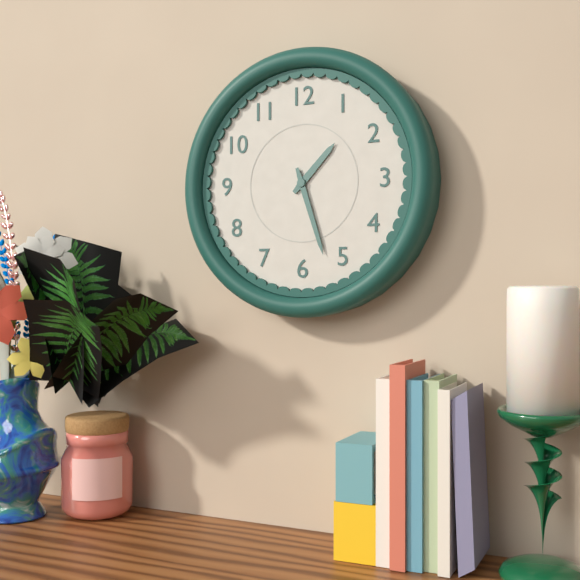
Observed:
1h27
